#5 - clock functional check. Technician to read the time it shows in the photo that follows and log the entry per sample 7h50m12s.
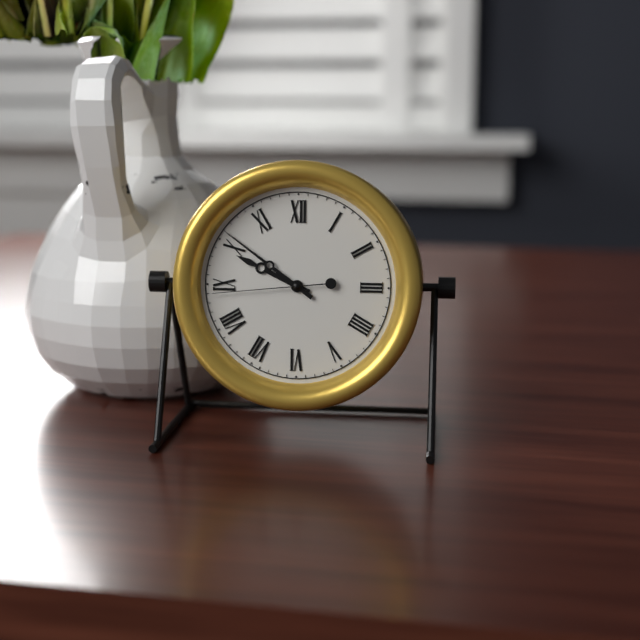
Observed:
9h51m44s
